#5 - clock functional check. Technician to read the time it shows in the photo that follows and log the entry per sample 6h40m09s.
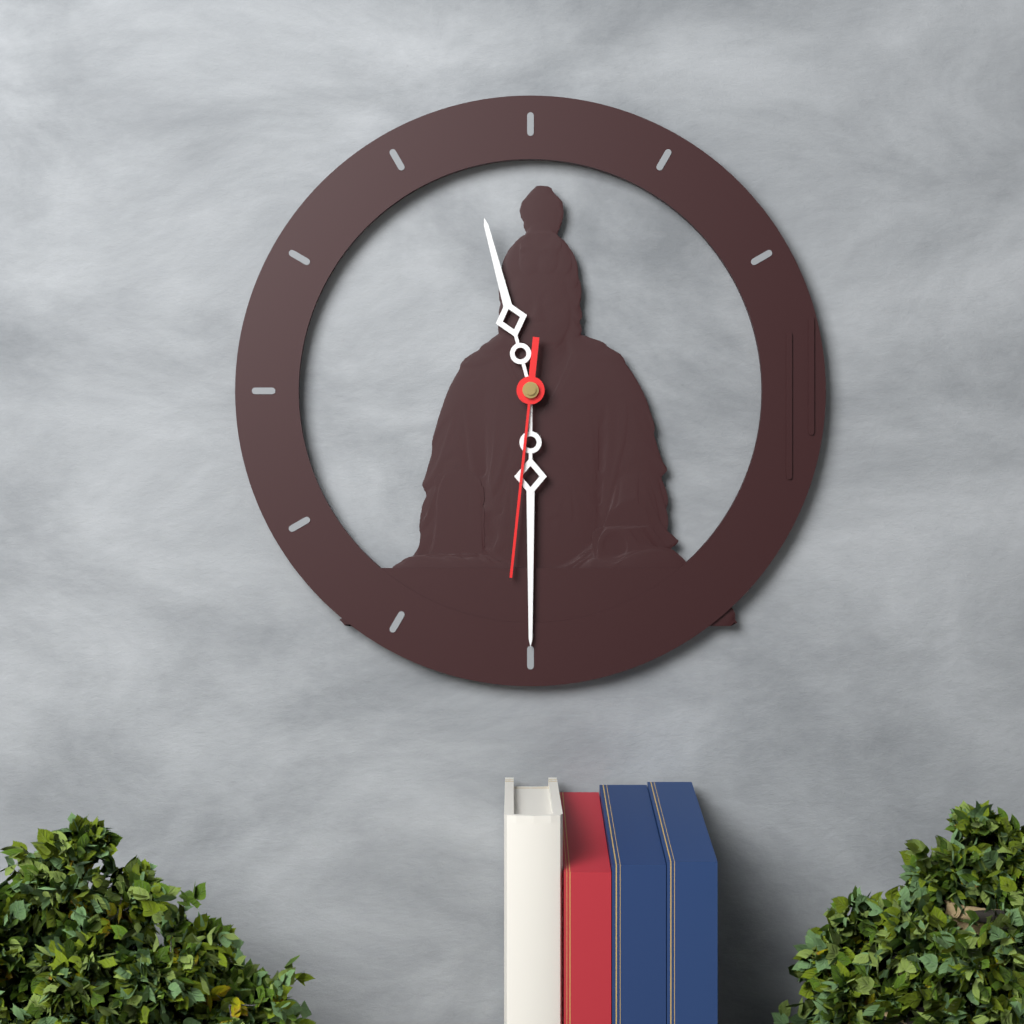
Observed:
11h30m31s
